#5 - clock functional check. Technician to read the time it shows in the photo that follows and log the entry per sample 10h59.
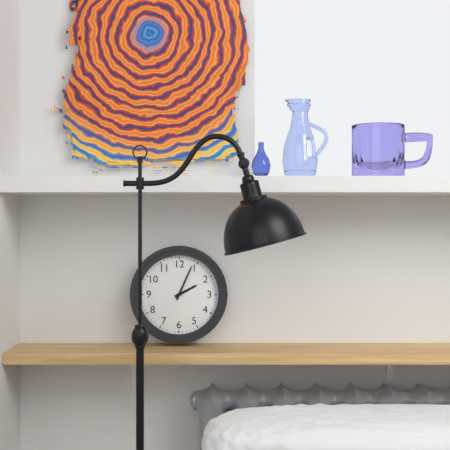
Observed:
2h04
